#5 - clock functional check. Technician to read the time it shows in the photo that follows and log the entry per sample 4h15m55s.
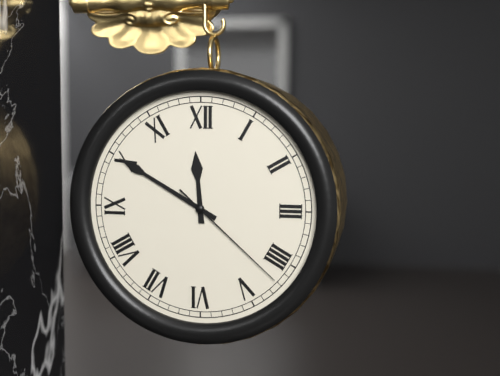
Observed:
11h50m22s
